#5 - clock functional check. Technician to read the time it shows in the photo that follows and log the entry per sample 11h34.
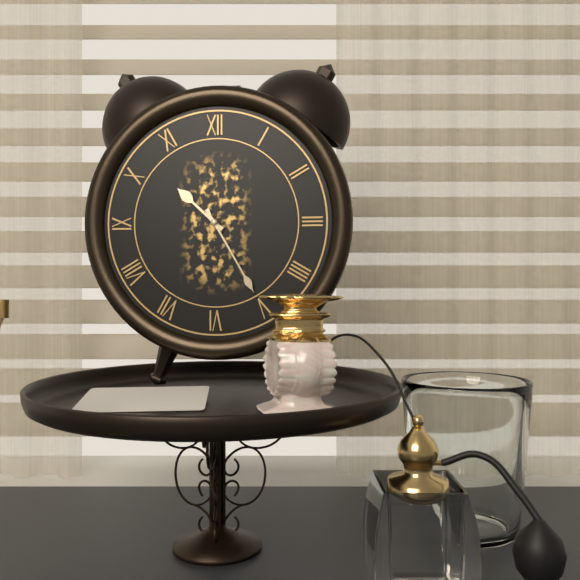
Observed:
10h25
